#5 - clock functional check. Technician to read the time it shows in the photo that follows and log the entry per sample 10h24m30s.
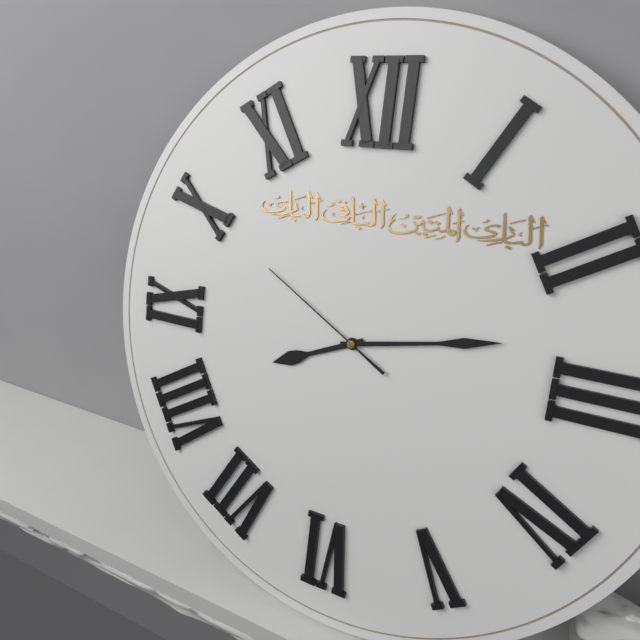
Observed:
8h13m50s
